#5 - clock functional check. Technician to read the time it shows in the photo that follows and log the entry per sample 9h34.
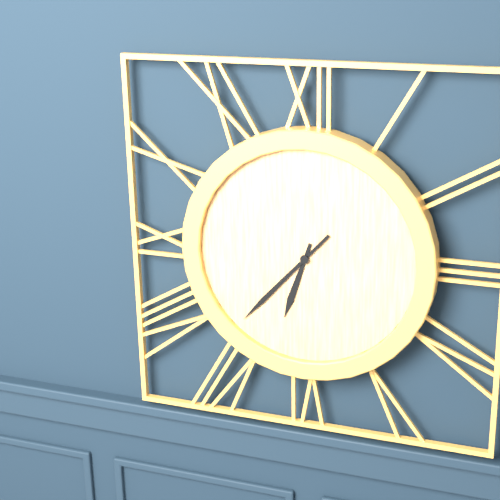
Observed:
6h37
